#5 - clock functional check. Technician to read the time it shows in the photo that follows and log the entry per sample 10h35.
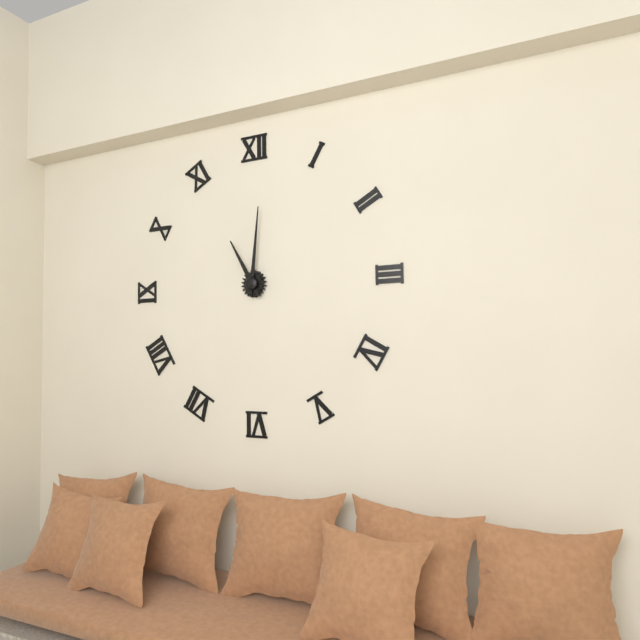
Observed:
11h01
